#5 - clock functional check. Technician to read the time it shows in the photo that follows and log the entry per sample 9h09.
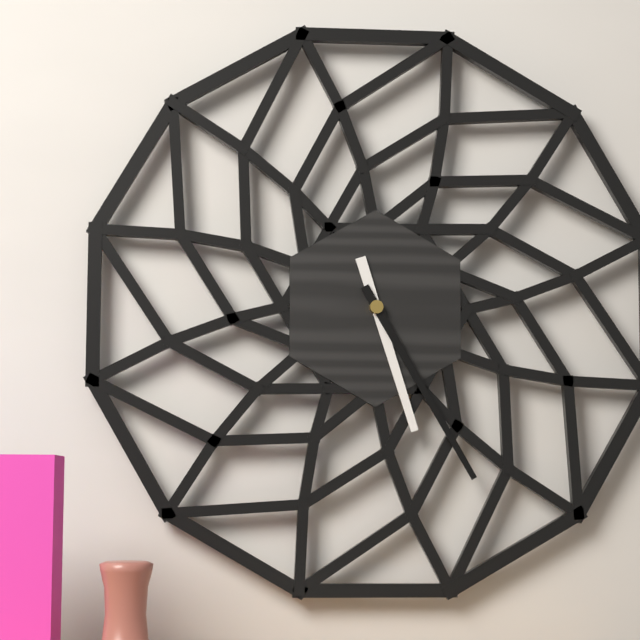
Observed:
5h25
